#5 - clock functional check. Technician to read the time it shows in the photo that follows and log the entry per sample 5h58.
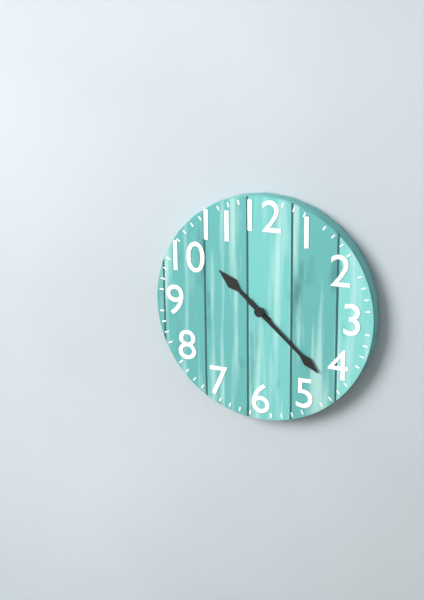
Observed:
10h22
